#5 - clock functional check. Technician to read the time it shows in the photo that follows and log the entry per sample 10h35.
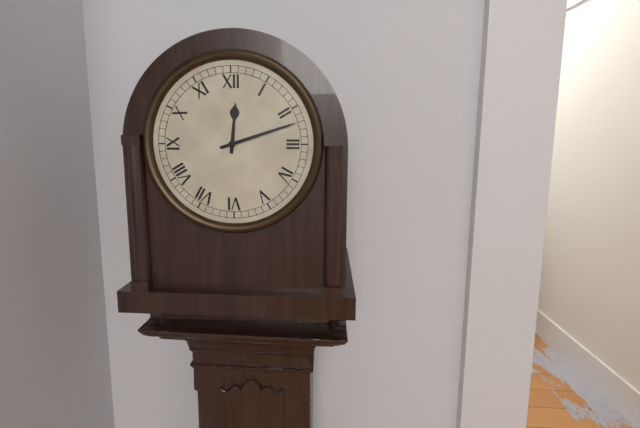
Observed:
12h12
